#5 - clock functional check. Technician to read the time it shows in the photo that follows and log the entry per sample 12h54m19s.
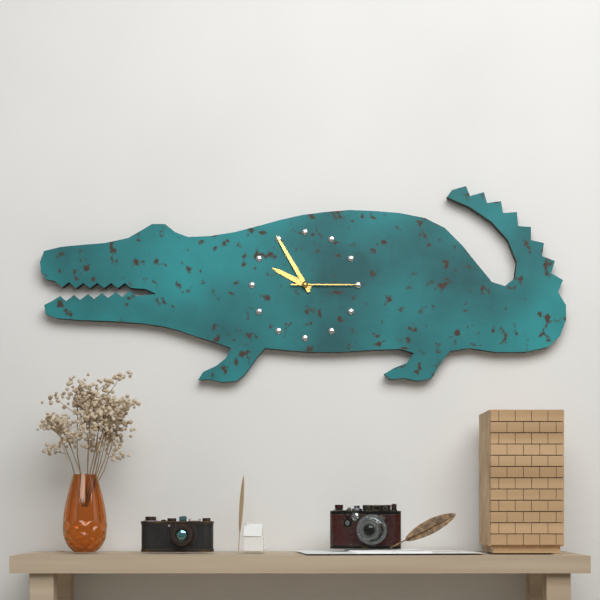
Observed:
9h55m15s
